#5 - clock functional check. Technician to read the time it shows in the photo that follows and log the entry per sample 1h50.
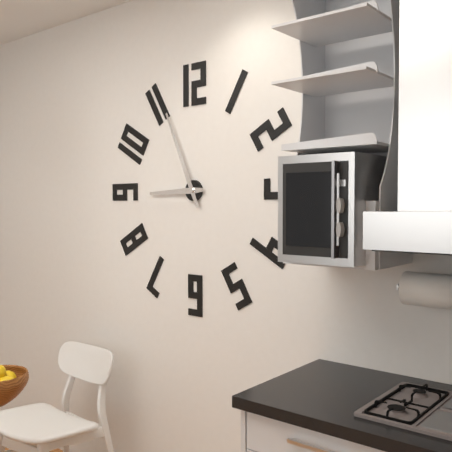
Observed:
8h56
